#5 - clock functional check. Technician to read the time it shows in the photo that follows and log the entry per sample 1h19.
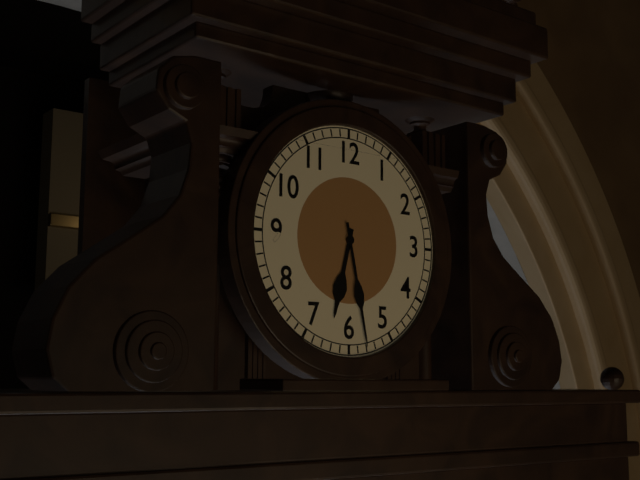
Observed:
6h28
